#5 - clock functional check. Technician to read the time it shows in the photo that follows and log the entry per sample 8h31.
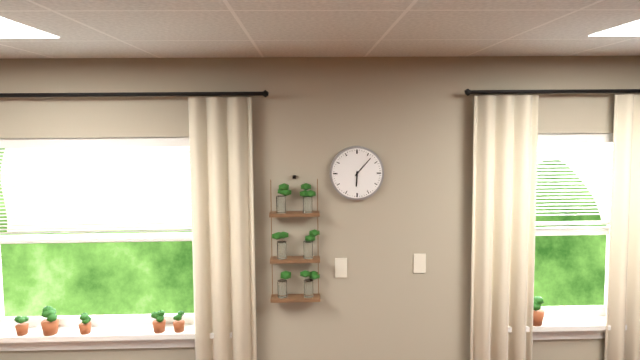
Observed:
6h07
